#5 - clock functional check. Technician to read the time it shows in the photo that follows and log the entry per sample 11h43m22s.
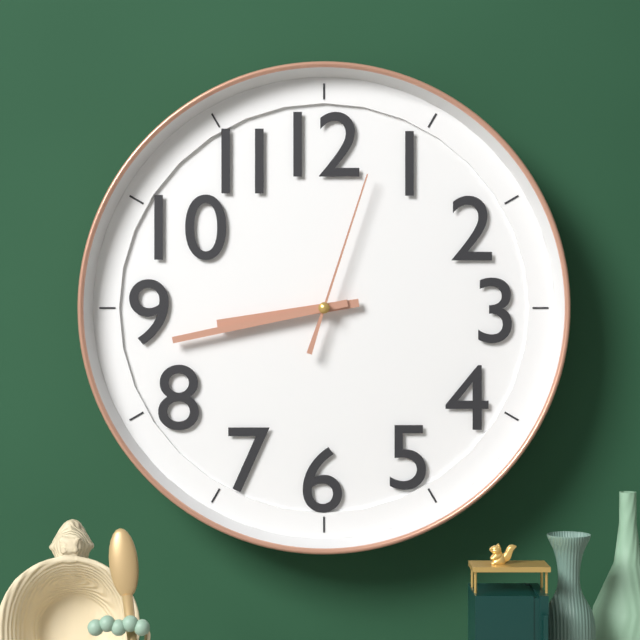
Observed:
8h43m03s
